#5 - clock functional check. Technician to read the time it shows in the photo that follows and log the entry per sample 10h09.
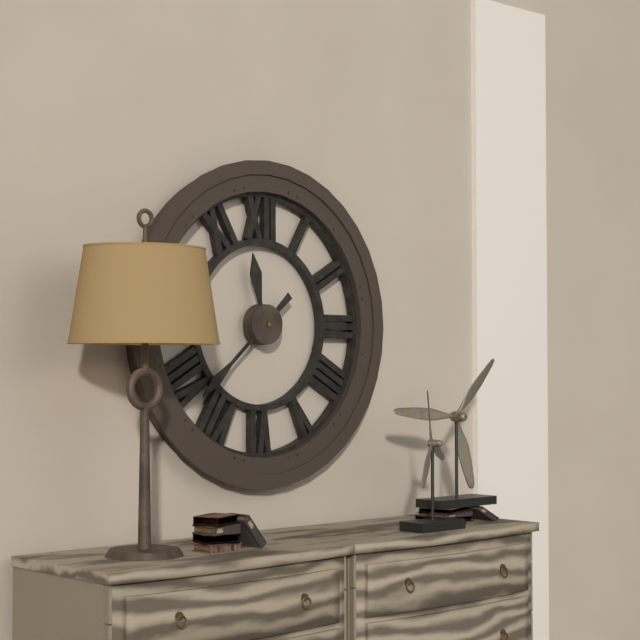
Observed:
11h38
